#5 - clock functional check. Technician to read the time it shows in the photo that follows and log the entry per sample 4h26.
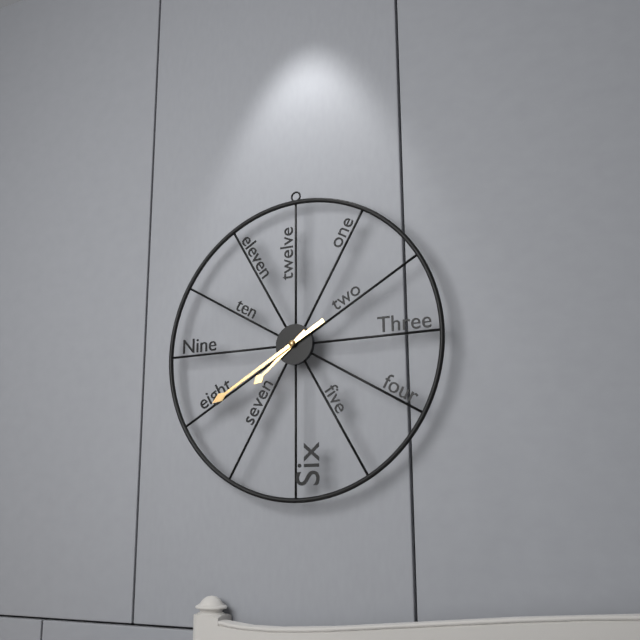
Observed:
7h40
